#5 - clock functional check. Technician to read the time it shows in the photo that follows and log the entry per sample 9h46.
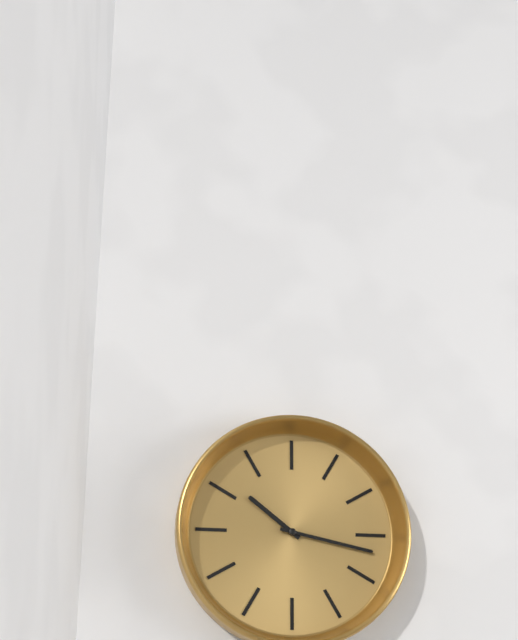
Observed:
10h17
